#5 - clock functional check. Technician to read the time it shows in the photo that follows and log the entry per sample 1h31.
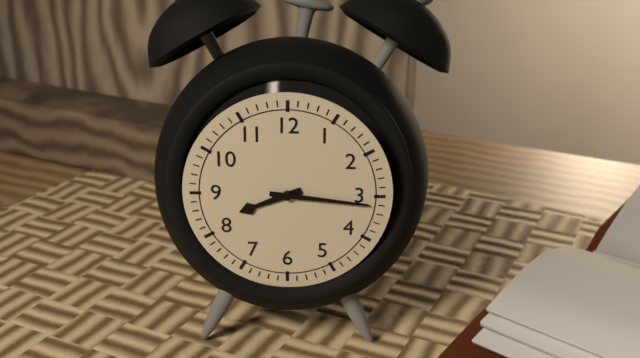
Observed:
8h16
